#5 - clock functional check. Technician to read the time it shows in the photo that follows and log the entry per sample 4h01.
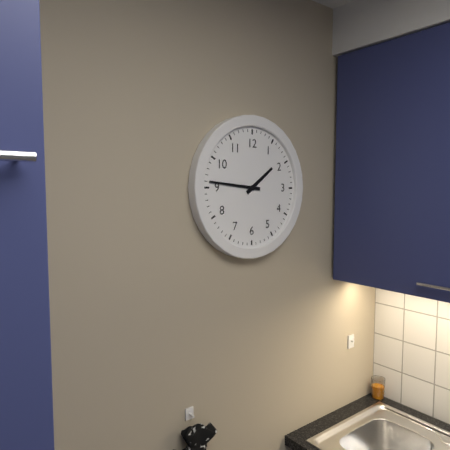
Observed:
1h46
